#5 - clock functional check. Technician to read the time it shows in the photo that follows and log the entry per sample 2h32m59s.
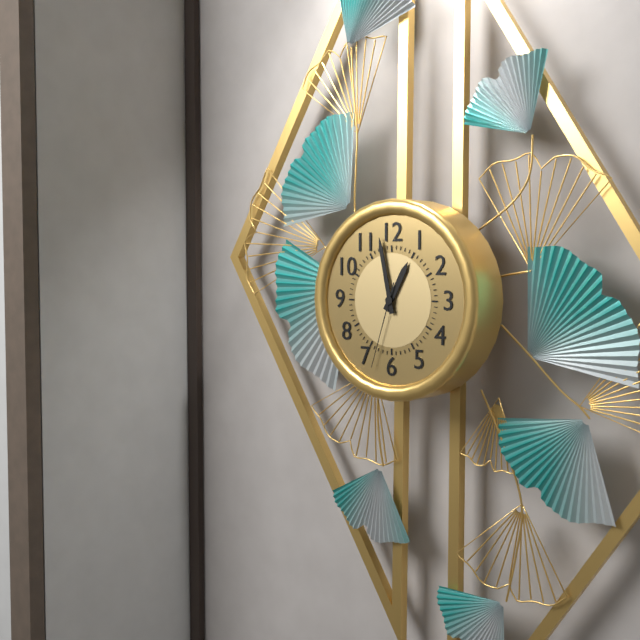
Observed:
12h58m33s
